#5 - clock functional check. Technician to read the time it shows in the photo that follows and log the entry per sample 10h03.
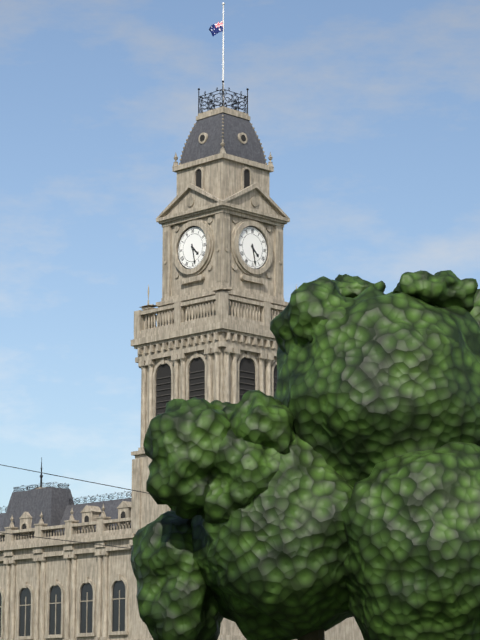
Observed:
4h28
